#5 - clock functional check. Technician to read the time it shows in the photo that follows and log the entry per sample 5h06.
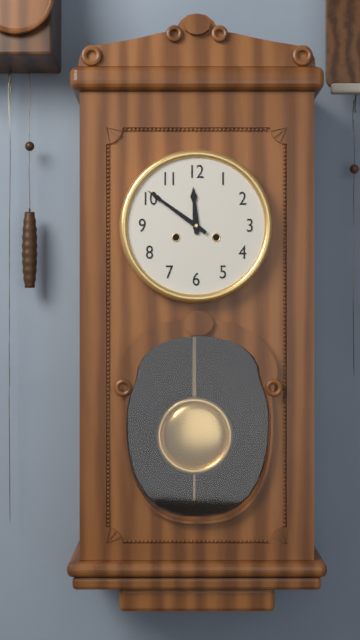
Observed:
11h51
